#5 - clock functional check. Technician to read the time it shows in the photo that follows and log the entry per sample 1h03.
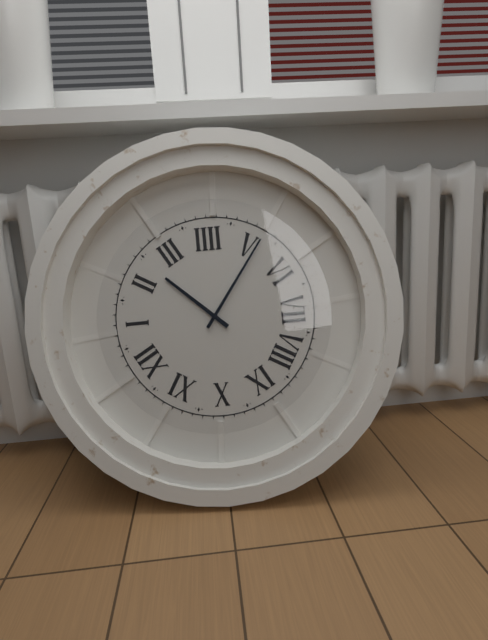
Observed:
2h26
